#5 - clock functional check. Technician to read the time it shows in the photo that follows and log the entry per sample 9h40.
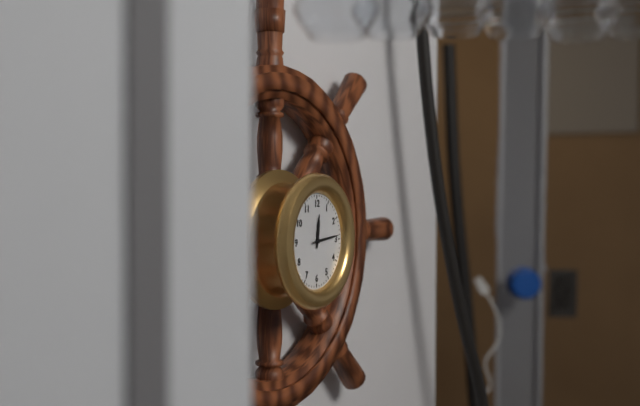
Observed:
12h14
